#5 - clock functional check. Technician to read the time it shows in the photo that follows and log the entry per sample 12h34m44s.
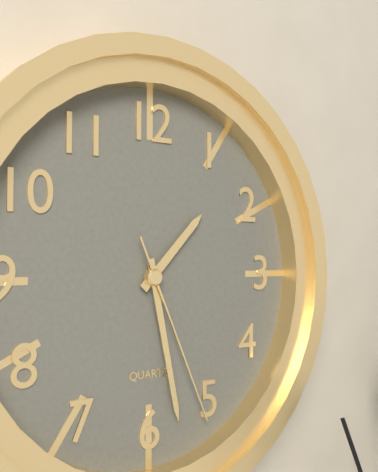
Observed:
1h28m26s
